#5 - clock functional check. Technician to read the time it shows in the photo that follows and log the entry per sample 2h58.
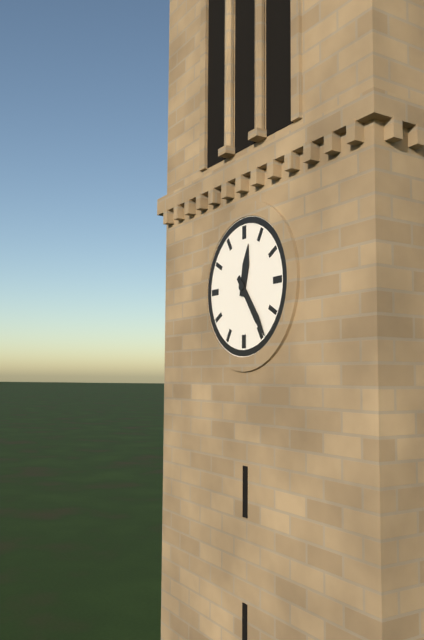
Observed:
12h24
